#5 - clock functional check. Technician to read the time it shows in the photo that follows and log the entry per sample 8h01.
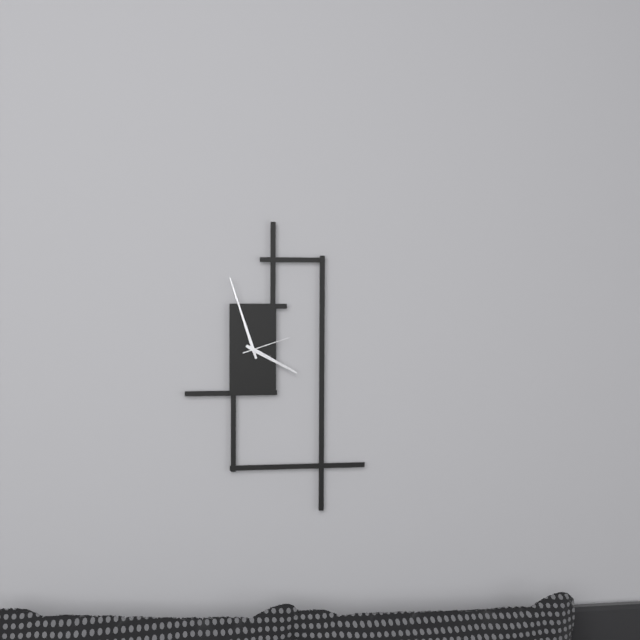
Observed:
3h57
